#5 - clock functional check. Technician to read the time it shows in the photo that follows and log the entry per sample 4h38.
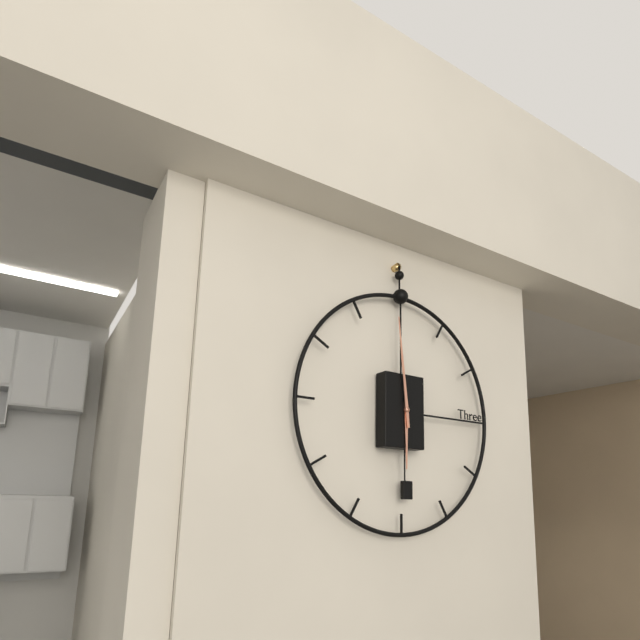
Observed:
5h59
